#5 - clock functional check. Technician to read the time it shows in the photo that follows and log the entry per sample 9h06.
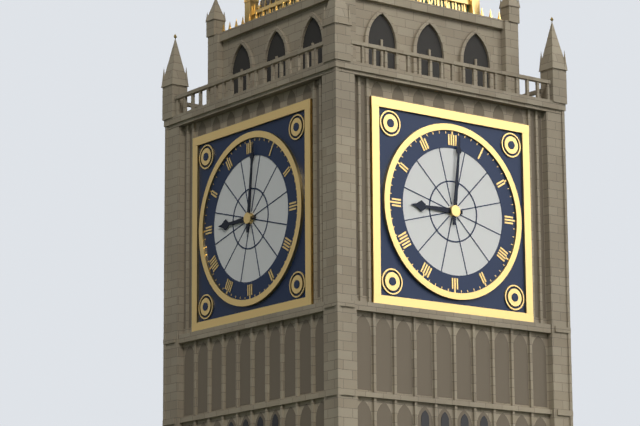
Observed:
9h01
